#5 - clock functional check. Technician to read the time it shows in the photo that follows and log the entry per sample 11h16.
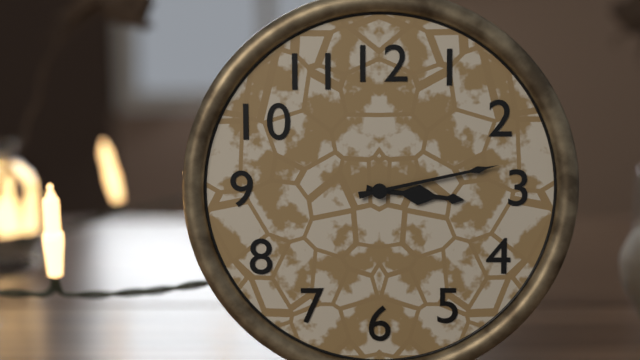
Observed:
3h13
